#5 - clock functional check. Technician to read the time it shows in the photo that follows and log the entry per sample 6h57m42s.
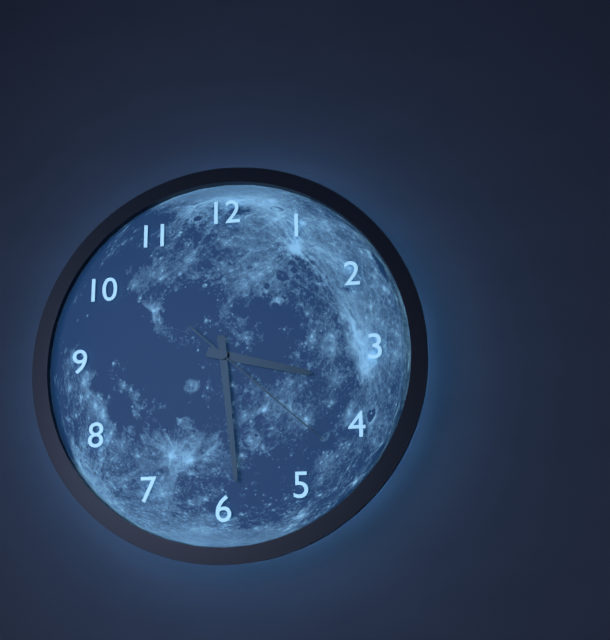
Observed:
3h29m22s
